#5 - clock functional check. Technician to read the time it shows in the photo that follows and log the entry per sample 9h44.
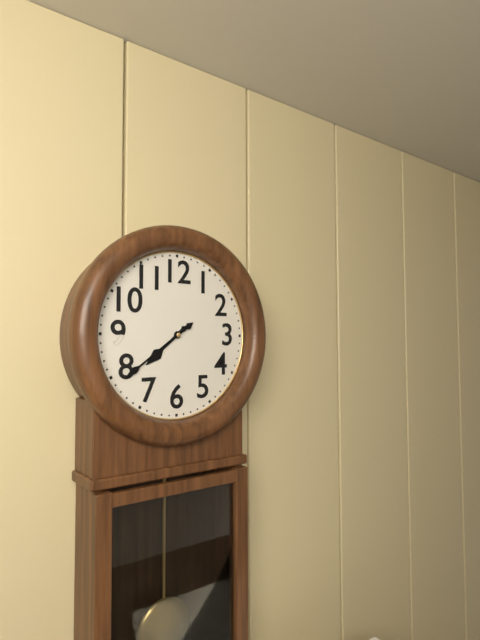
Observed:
7h39
